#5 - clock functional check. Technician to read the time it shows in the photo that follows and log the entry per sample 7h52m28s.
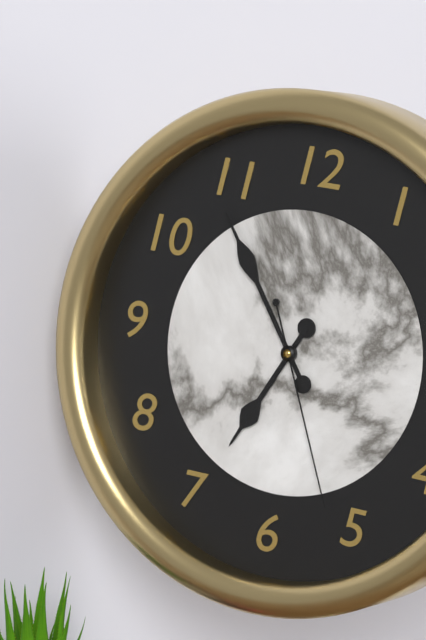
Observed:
6h54m26s
